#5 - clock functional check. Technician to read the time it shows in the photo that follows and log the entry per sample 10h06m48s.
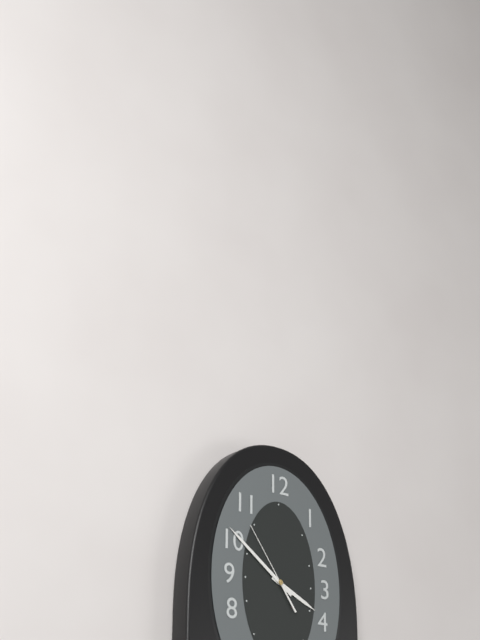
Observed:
3h51m54s
